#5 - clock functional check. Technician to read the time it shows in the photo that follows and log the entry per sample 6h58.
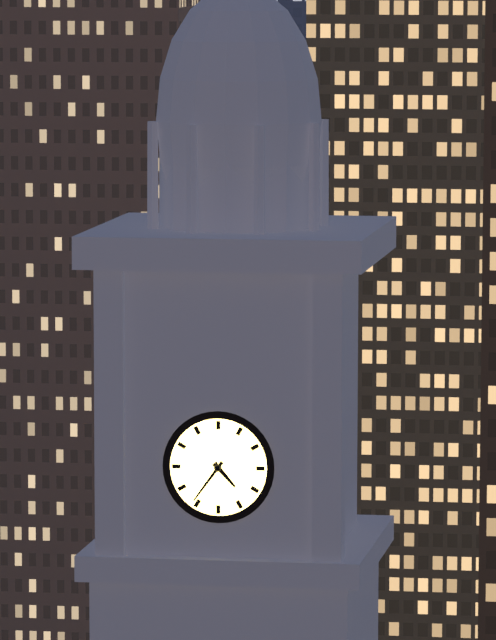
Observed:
4h36
